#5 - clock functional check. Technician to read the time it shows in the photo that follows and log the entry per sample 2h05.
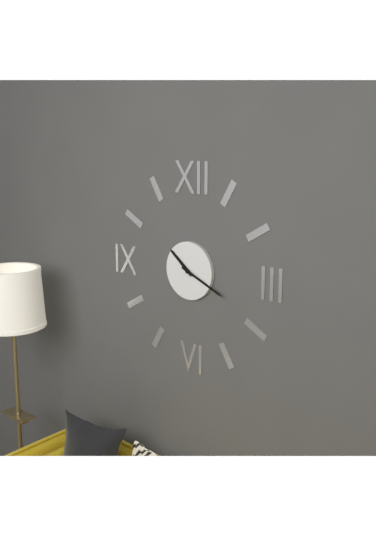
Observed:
10h19
